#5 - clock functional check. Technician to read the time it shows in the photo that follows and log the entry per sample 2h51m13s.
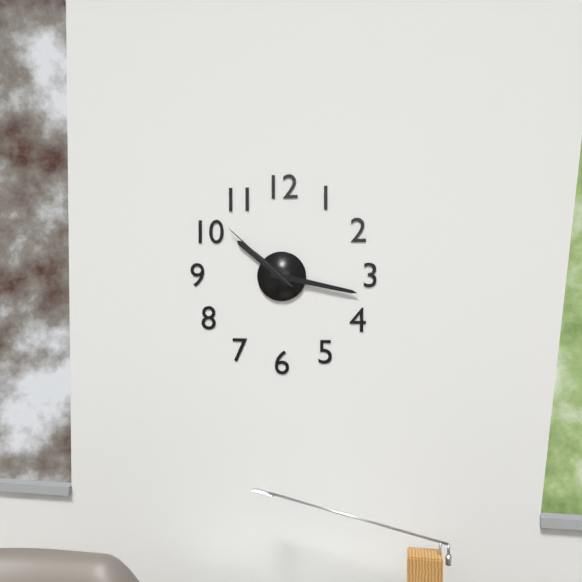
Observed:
10h17m52s
